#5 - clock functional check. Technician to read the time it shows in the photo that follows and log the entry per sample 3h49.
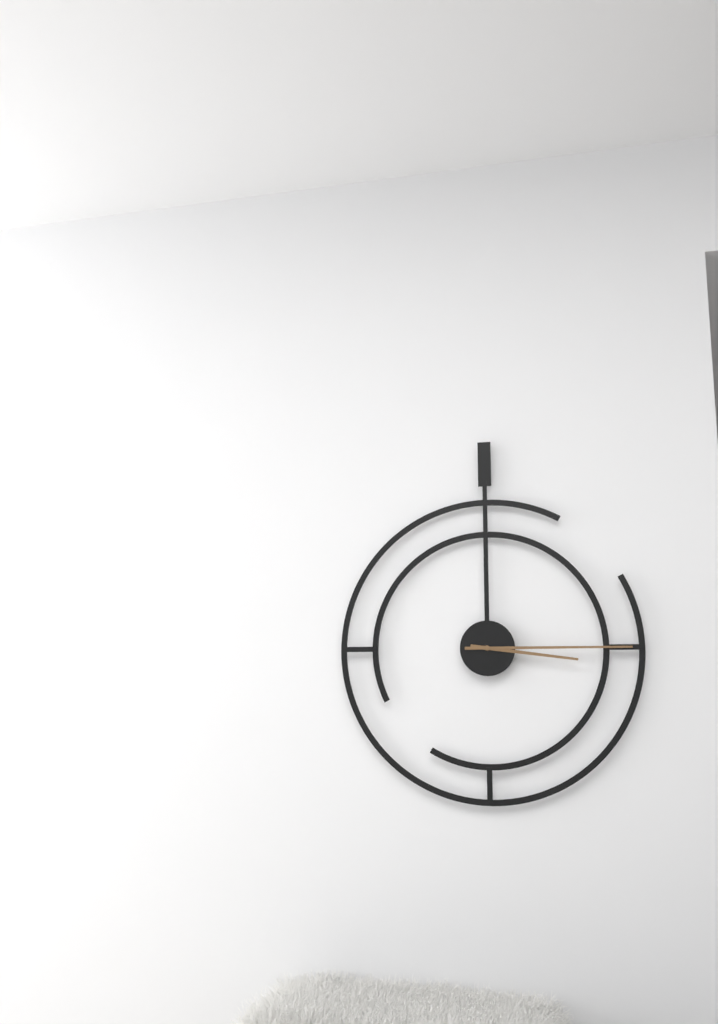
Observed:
3h15
